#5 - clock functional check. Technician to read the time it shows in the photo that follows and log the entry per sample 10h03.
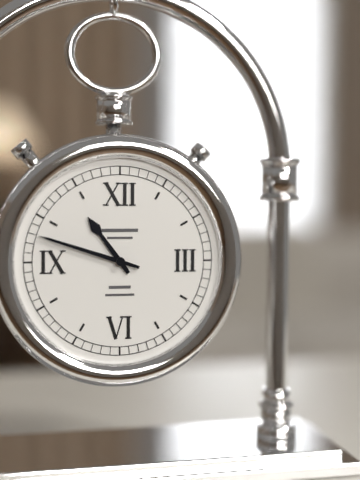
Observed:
10h48
